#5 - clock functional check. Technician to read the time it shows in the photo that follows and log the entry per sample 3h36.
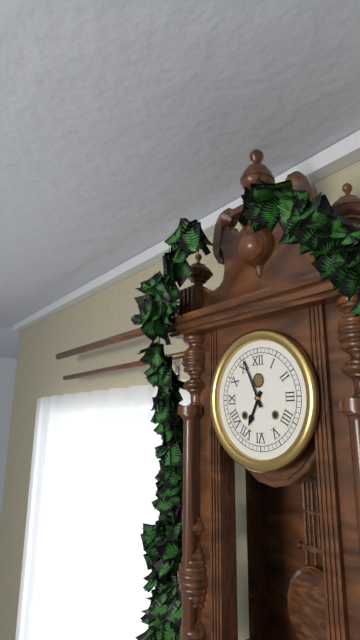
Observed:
6h56
